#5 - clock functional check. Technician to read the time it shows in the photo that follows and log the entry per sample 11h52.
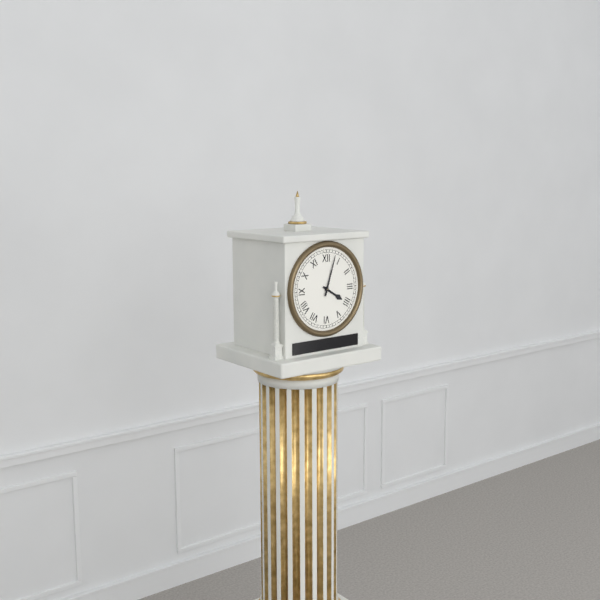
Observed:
4h03
